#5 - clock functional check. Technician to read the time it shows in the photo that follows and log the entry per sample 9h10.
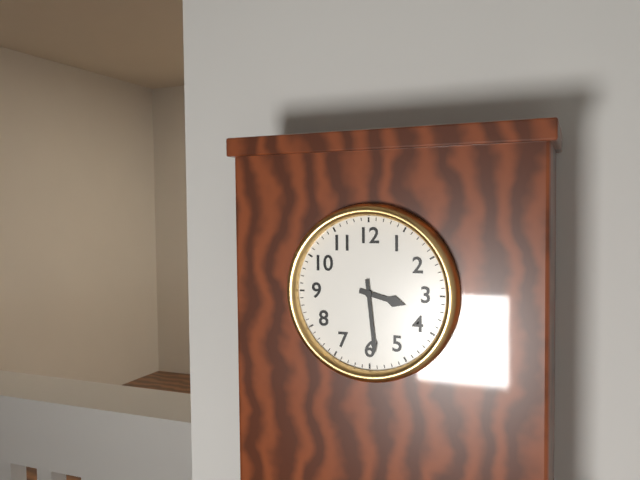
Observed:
3h29
